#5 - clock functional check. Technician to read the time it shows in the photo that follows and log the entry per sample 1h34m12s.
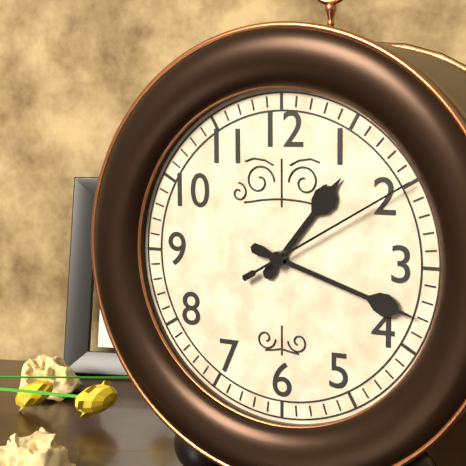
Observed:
1h18m10s
